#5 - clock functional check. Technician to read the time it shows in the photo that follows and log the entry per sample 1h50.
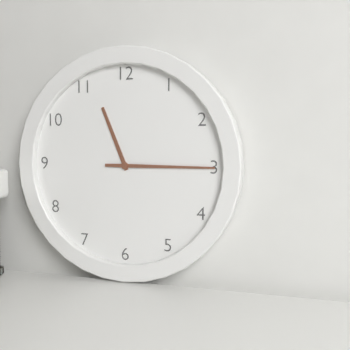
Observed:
11h15
